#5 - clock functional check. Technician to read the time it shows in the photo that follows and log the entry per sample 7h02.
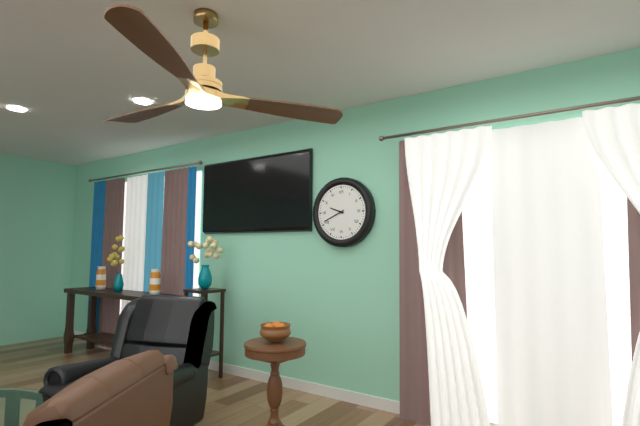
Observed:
9h41
